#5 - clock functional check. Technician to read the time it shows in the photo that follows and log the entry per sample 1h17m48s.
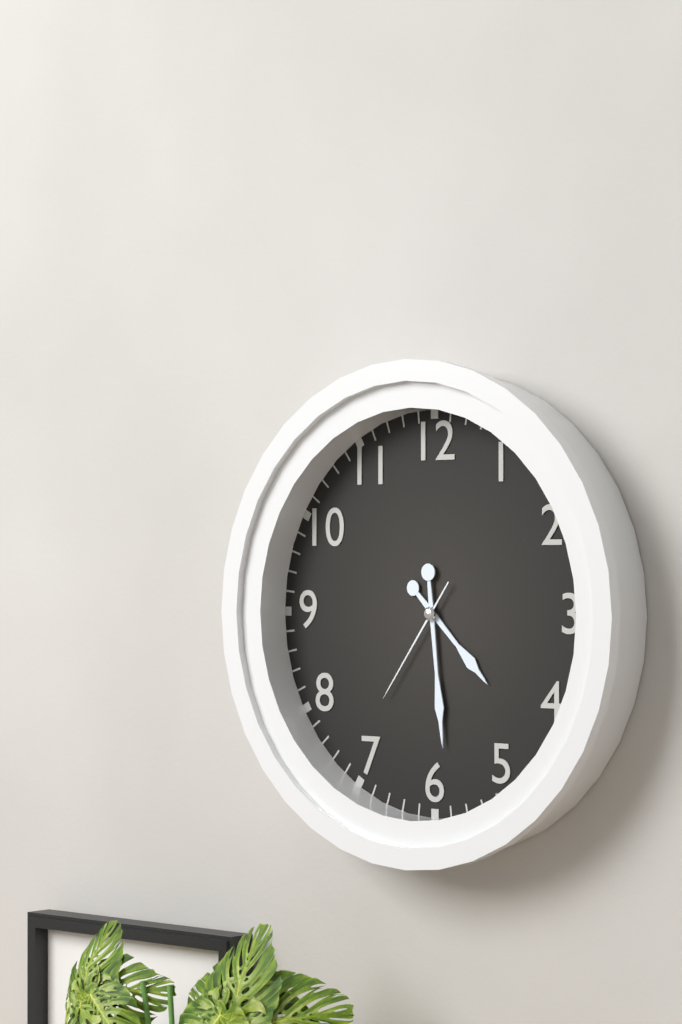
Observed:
4h29m36s
